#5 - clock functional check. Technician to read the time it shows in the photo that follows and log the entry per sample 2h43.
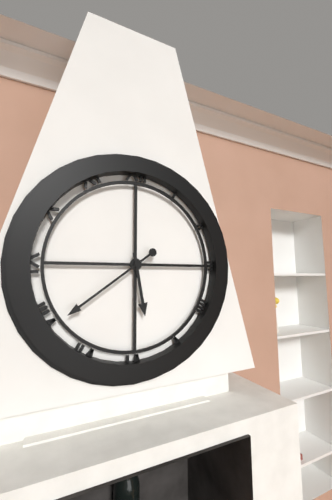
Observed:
5h39
